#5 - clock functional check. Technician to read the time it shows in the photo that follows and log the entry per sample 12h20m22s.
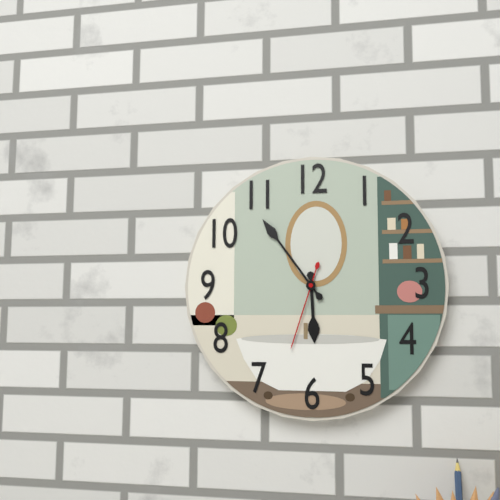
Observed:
5h54m33s
